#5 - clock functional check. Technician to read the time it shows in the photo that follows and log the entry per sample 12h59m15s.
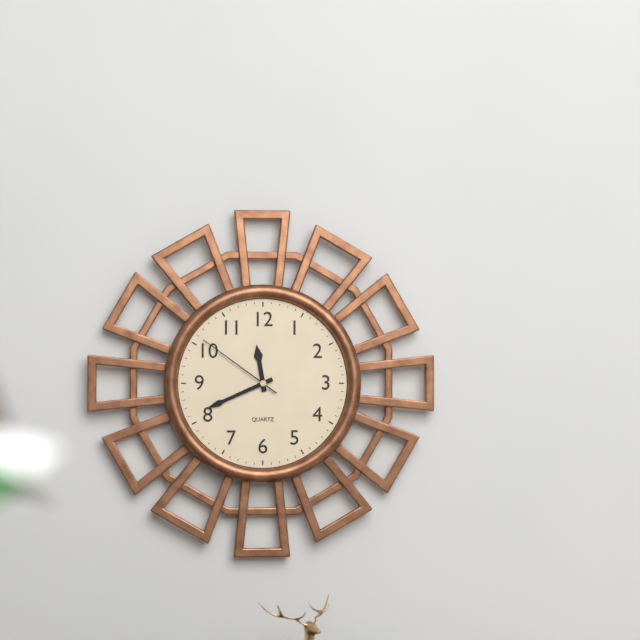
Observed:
11h41m51s
